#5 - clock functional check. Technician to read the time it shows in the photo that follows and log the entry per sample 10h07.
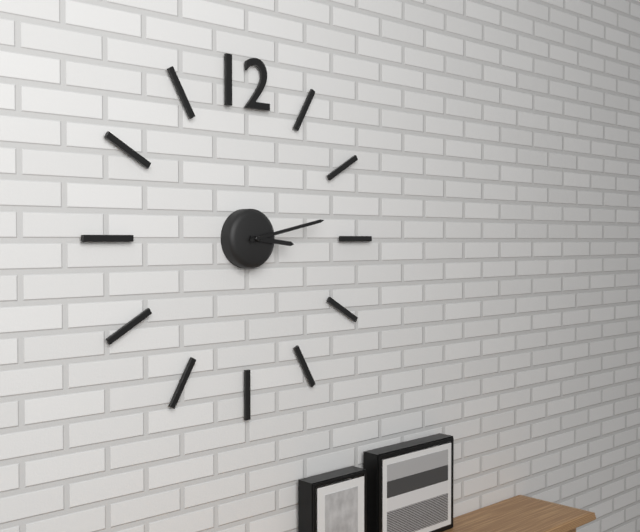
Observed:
3h13
